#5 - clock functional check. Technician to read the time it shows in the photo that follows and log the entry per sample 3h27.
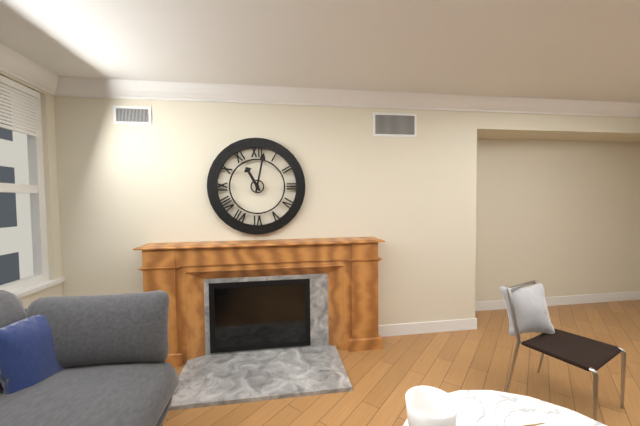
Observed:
11h02
